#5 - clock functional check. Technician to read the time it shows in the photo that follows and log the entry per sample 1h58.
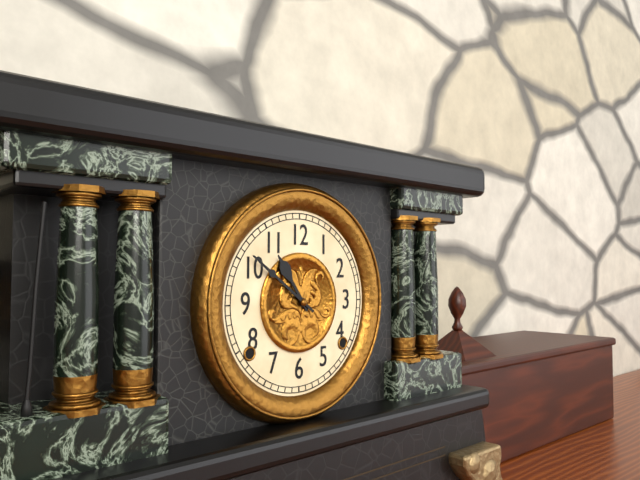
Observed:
10h51
